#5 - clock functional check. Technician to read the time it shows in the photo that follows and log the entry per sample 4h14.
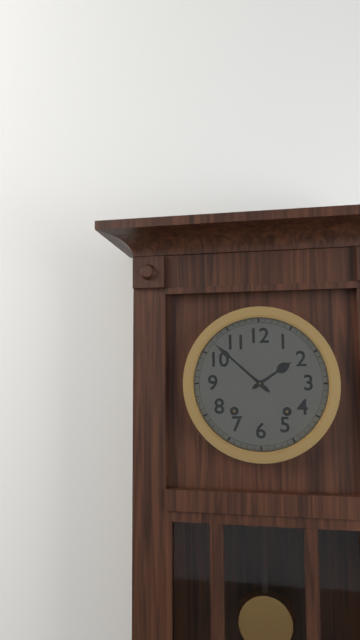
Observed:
1h52
